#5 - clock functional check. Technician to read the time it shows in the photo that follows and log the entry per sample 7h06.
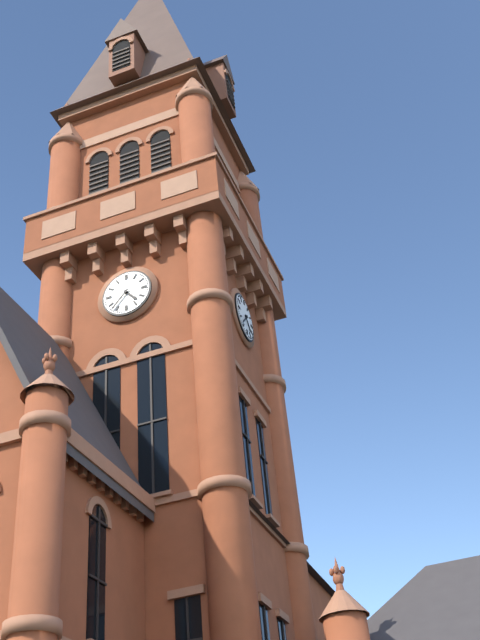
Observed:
4h37
